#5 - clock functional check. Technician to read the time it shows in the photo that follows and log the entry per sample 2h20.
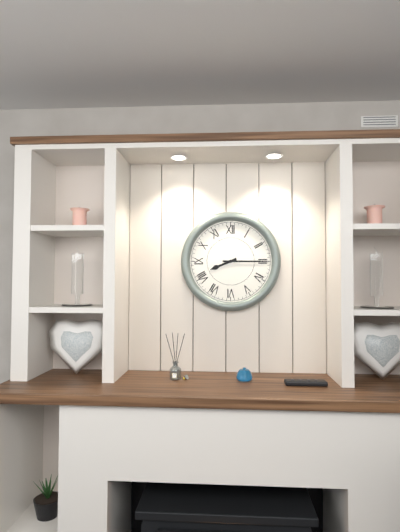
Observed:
8h15
